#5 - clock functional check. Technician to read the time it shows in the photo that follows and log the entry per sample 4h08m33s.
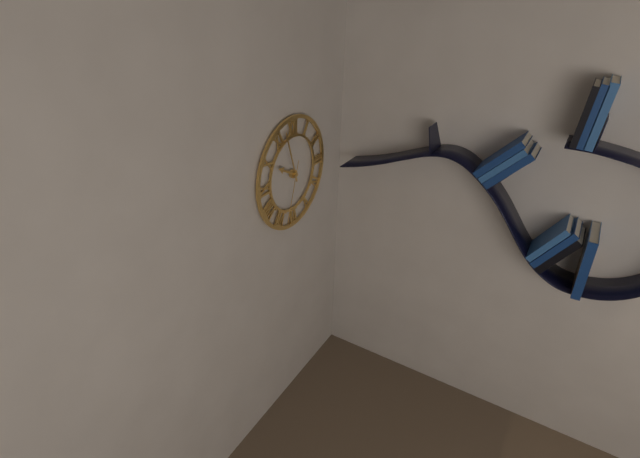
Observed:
9h57m33s
